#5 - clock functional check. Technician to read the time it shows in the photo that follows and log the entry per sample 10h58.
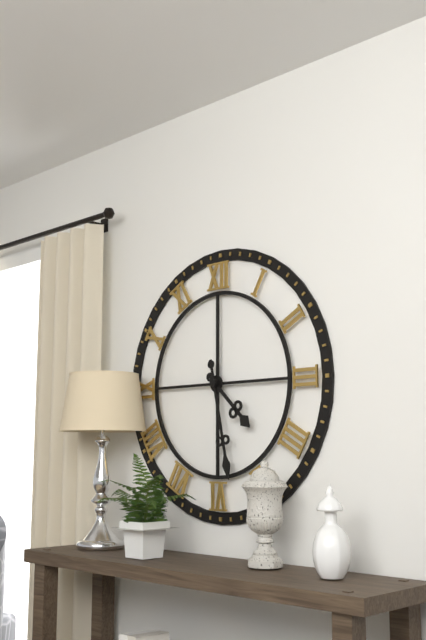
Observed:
4h28
